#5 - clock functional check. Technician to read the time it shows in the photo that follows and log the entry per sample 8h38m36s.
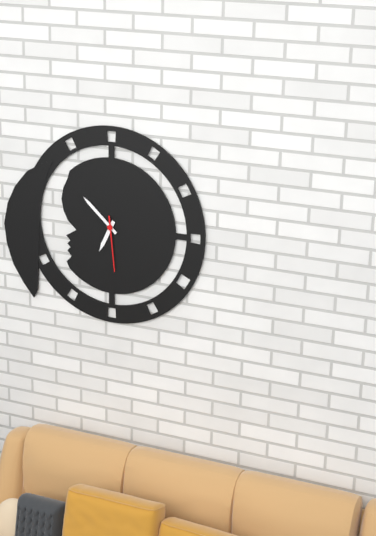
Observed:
6h52m29s
